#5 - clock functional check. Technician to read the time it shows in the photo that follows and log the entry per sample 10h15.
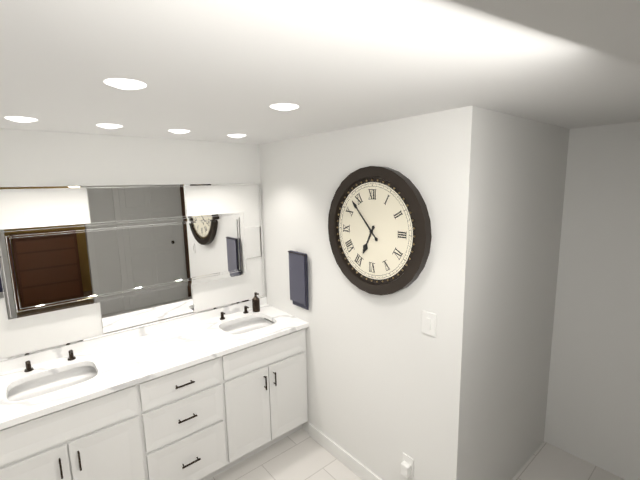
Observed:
6h53
